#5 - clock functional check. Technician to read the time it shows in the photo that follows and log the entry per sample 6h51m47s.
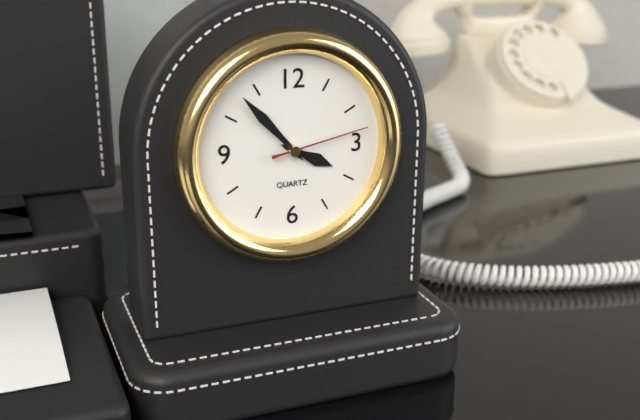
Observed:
3h53m13s
